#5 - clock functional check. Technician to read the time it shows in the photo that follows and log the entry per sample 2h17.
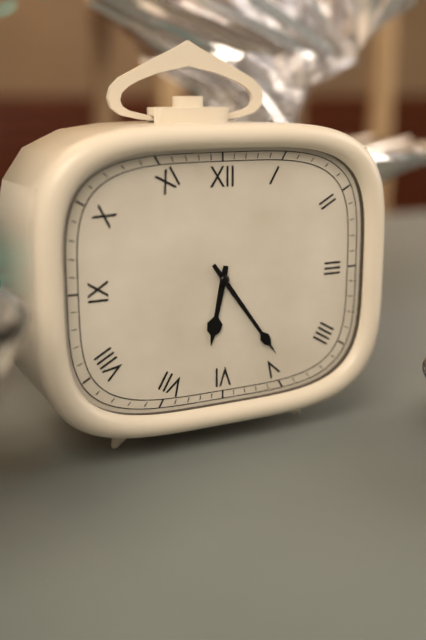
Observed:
6h24
